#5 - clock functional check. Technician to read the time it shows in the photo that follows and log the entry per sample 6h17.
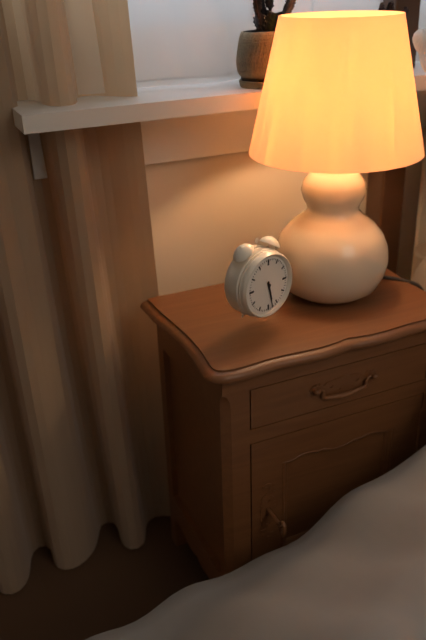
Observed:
5h28
